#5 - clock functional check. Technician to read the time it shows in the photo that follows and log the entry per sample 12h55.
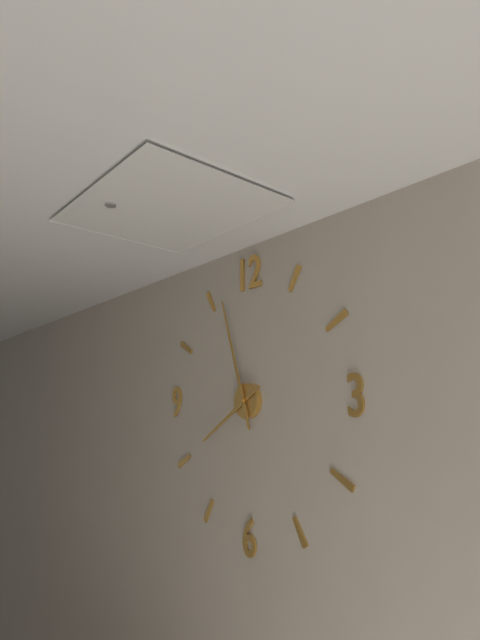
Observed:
7h57
